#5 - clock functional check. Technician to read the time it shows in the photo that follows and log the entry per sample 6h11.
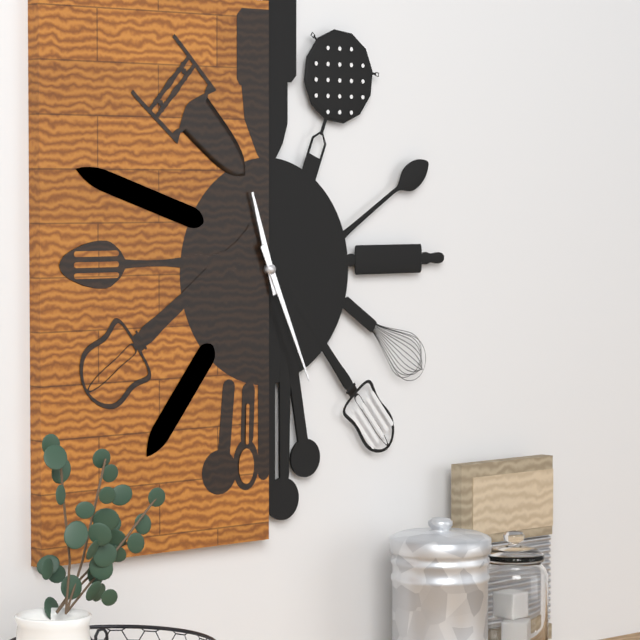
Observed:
11h26
